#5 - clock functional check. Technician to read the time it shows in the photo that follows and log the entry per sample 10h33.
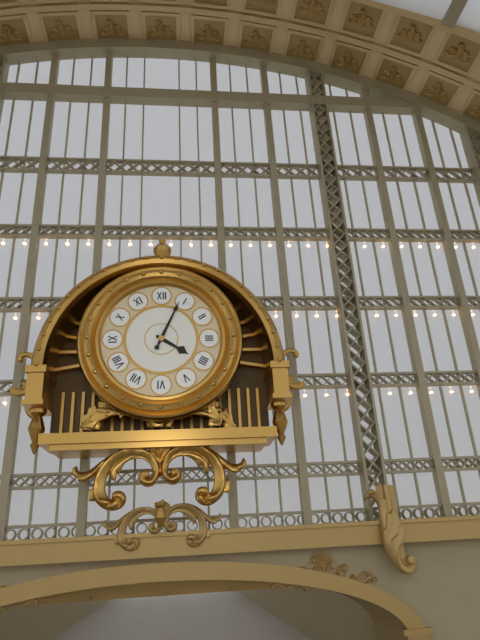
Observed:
4h04
